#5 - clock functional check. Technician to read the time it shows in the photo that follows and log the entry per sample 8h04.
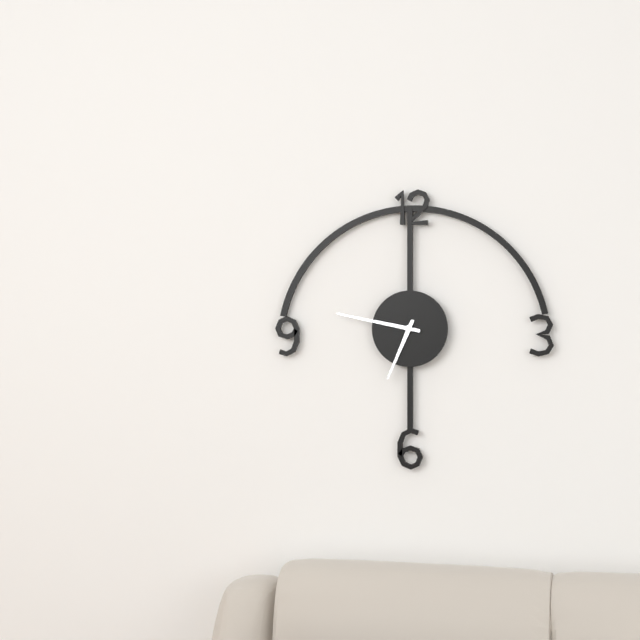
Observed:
6h47
